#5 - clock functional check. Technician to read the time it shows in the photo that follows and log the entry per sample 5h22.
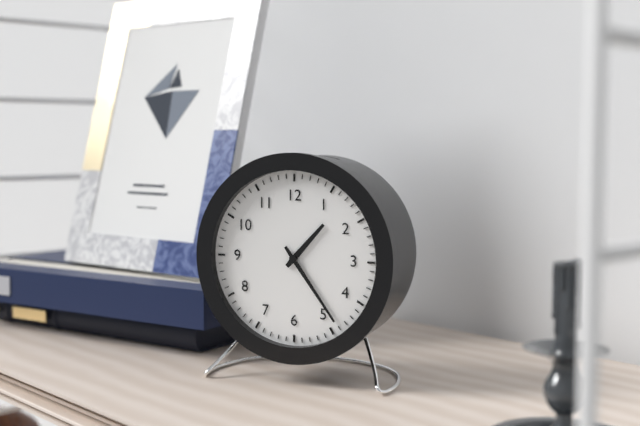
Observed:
1h24
